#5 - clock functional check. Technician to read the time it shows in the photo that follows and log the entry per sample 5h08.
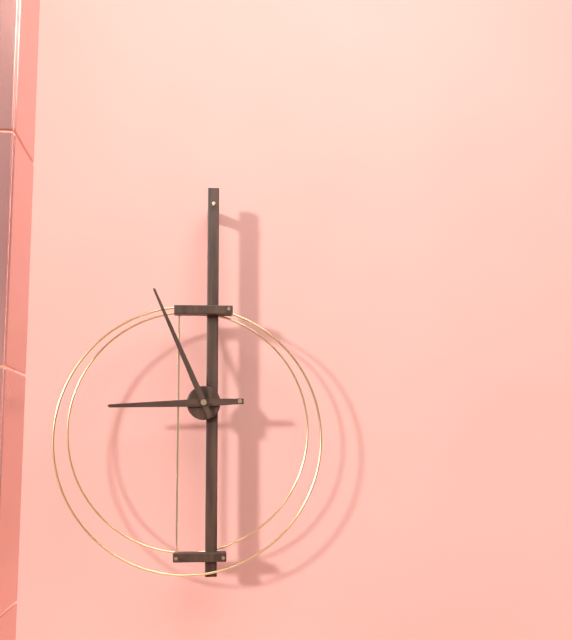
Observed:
8h56
